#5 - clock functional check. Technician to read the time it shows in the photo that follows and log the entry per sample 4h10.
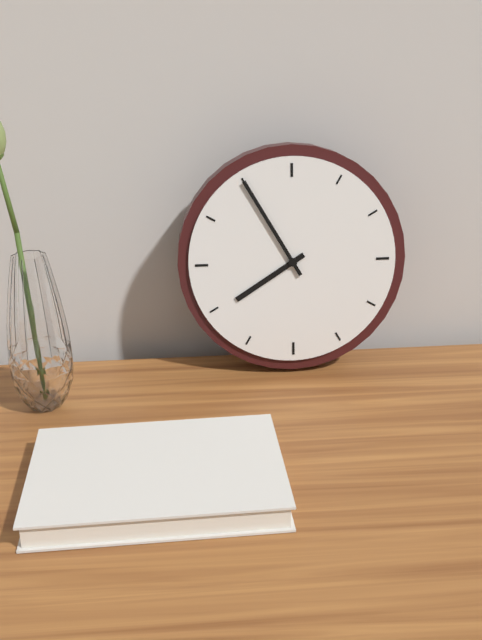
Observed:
7h55
